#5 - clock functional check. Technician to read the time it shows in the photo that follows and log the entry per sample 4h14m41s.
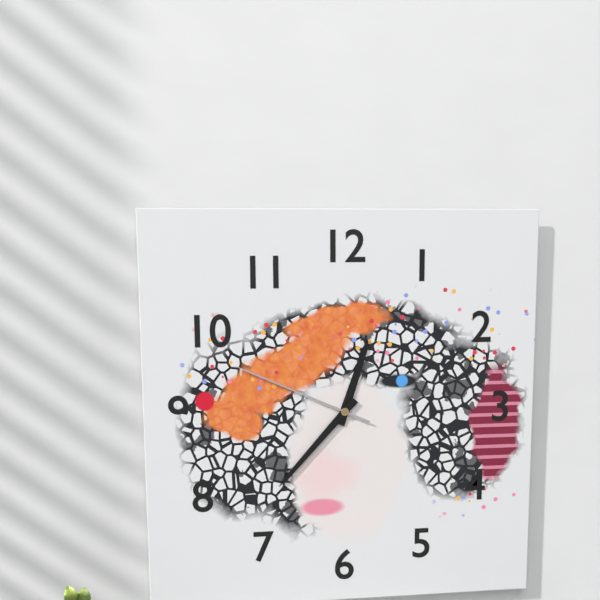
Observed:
12h37m49s
